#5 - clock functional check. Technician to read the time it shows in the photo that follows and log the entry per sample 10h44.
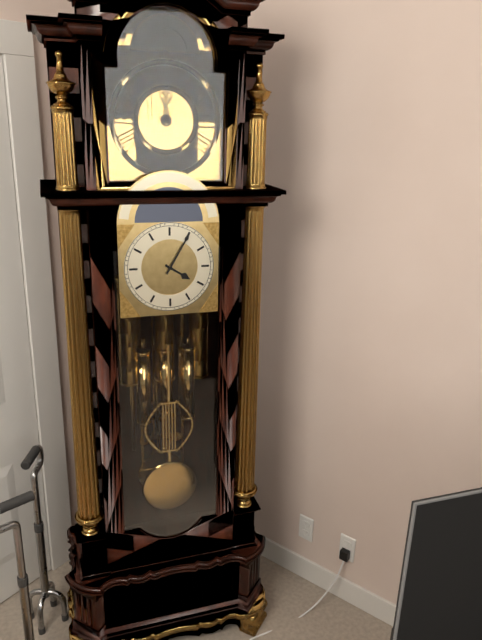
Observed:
4h05
